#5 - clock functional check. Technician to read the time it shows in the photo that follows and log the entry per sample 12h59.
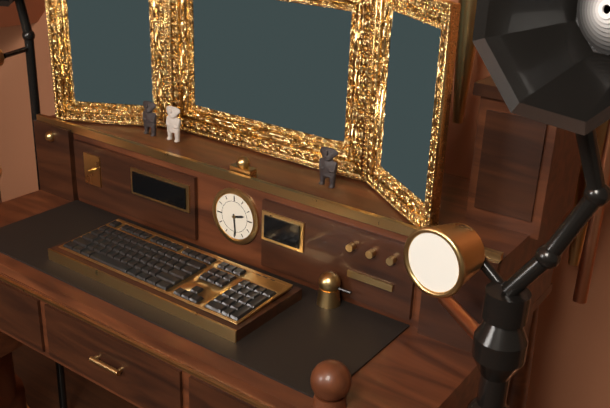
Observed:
2h29
